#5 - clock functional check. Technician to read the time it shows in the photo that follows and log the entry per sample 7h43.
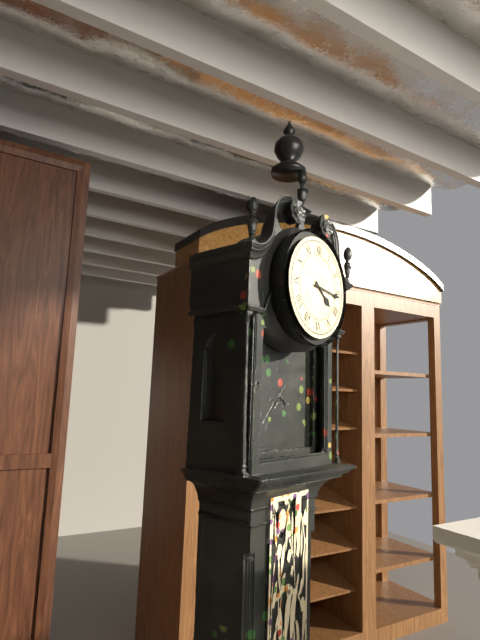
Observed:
4h16
